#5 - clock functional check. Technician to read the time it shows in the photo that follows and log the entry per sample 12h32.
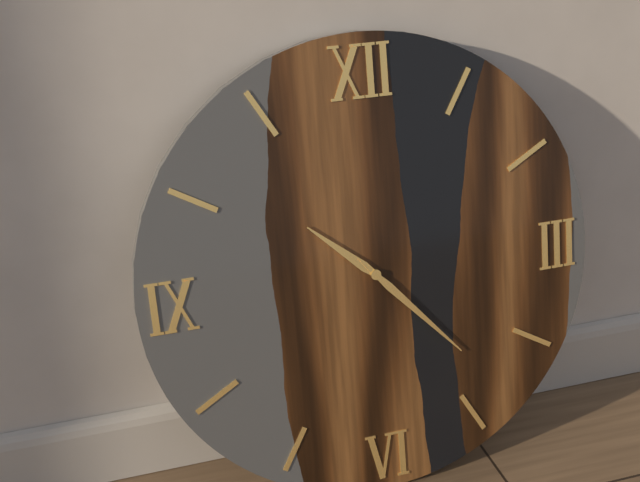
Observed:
10h23
